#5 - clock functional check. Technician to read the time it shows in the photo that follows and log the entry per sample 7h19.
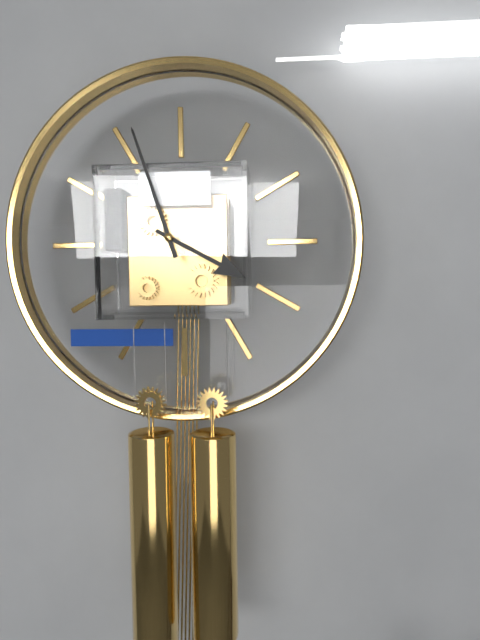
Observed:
3h57
